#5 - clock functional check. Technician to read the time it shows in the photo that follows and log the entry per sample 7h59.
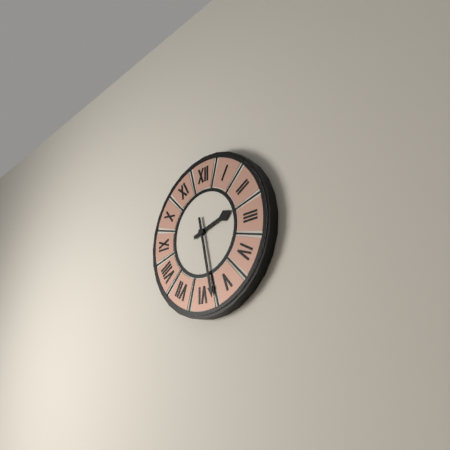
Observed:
2h28
